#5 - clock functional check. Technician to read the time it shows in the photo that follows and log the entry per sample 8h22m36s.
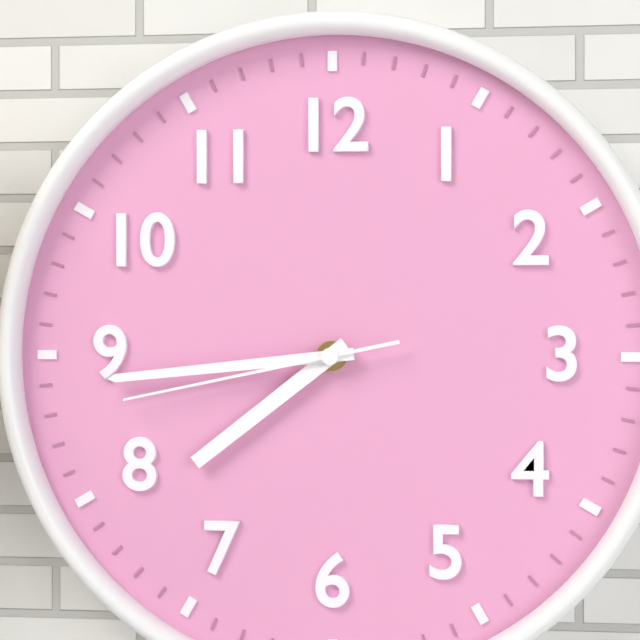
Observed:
7h44m43s
